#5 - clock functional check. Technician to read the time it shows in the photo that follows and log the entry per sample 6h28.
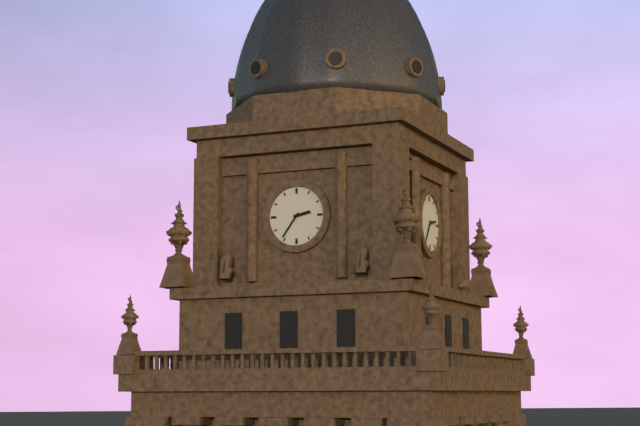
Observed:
2h36
